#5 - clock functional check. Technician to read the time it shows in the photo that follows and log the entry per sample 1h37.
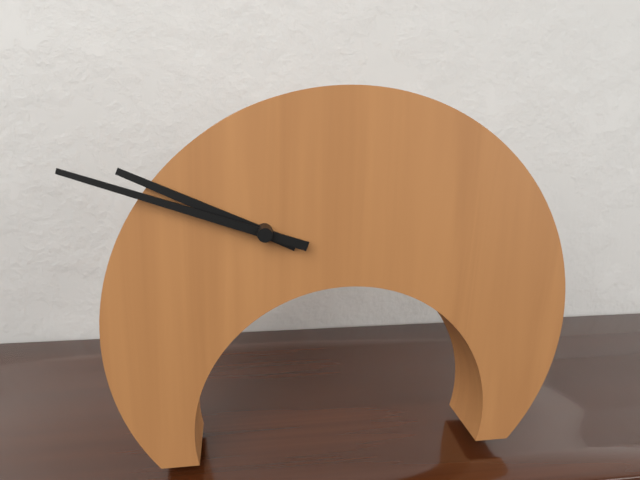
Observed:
9h48
